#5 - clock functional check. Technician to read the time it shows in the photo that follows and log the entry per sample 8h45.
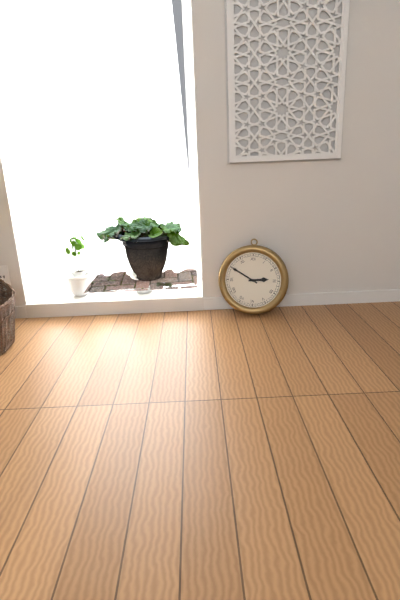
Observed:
2h50
